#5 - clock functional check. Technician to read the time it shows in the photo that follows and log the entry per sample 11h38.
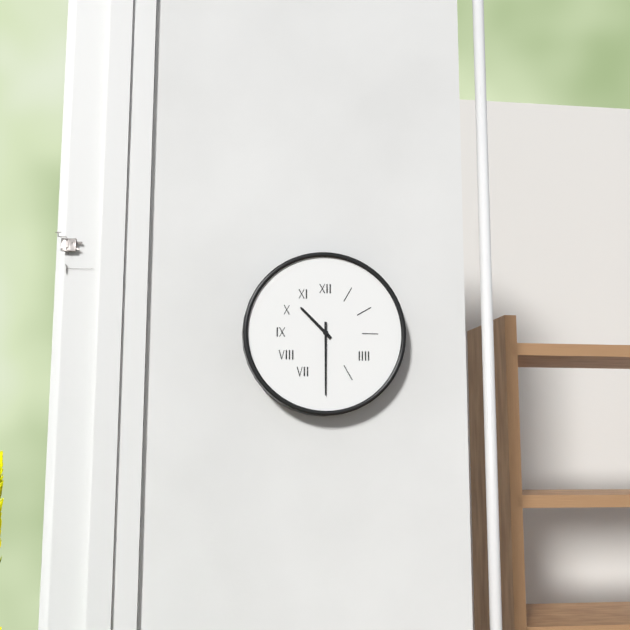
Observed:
10h30
